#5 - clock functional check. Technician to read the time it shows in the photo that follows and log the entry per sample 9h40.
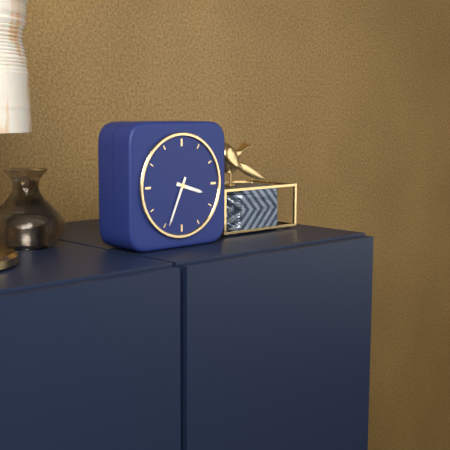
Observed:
3h34
